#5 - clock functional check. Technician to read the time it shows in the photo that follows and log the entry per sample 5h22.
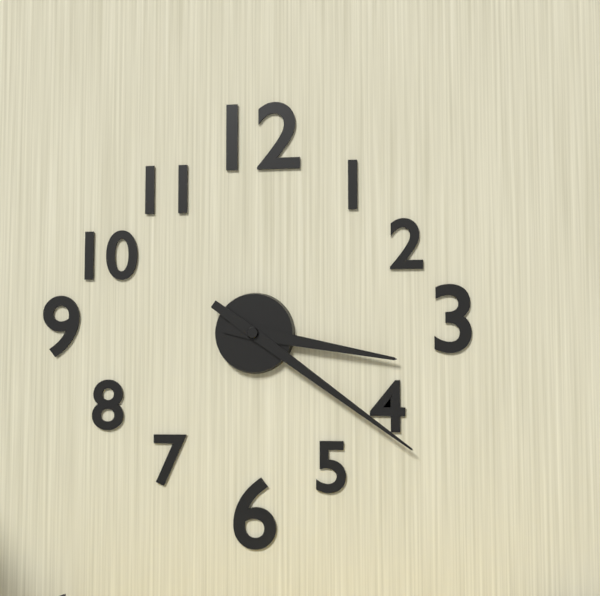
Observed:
3h21
